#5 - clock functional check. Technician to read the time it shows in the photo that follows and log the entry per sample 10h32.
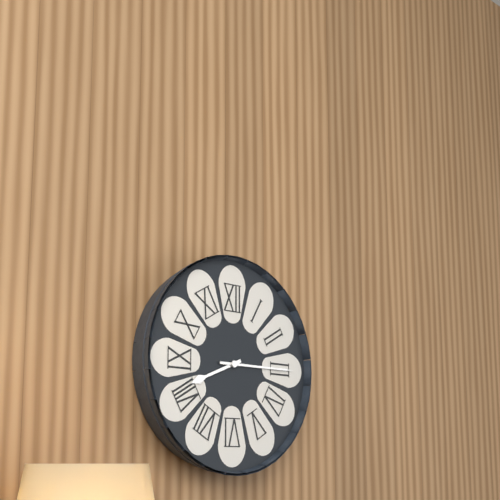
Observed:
8h15
